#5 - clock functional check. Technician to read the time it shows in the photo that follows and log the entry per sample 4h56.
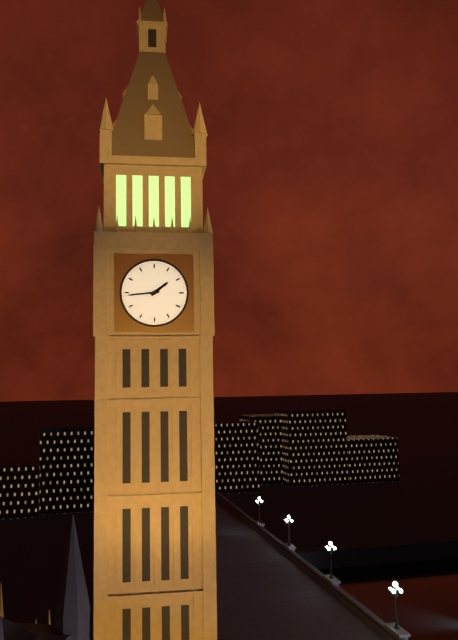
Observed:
1h44
